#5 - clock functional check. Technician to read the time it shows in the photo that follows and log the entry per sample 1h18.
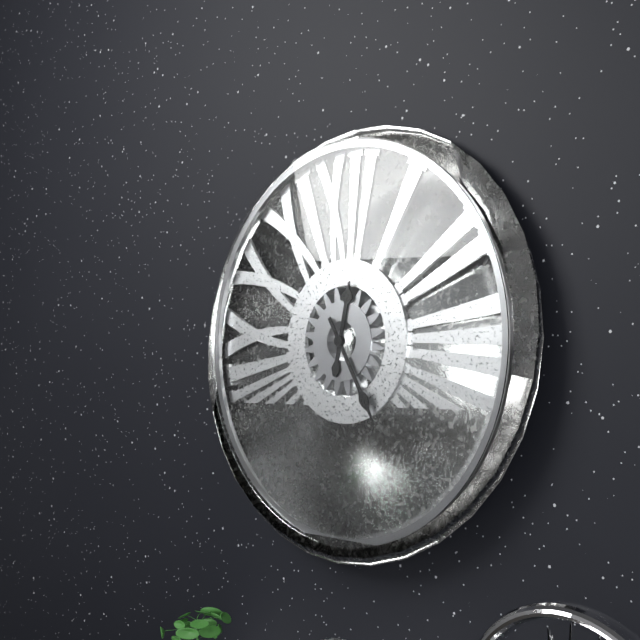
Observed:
12h25
